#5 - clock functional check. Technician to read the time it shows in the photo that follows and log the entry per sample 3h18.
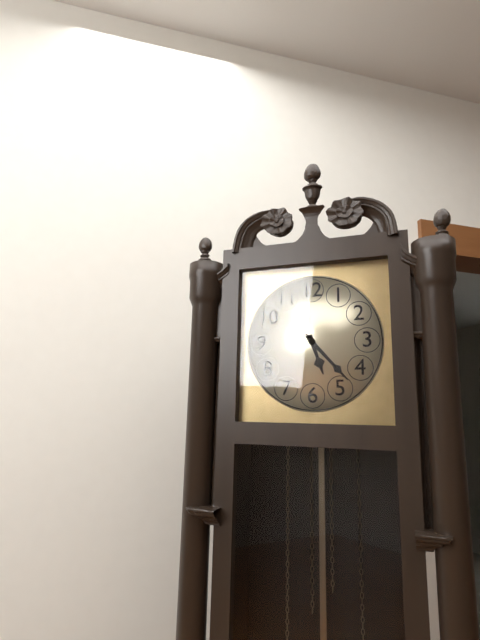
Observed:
5h23
